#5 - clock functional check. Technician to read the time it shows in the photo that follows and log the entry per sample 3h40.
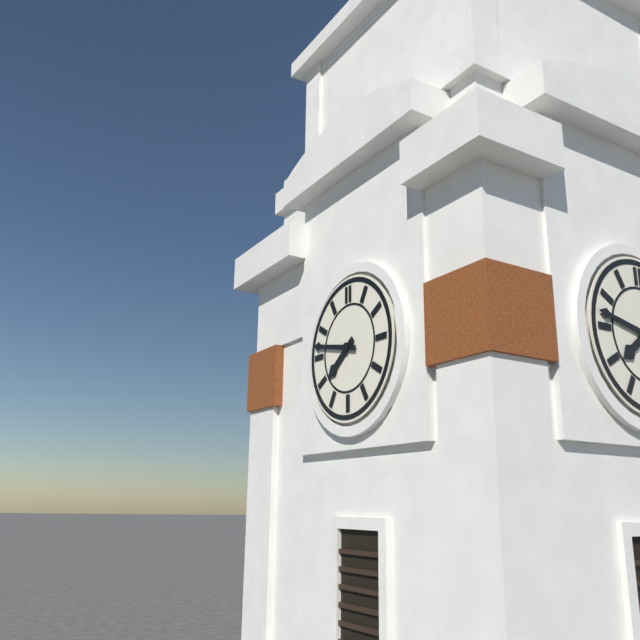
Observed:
7h47
